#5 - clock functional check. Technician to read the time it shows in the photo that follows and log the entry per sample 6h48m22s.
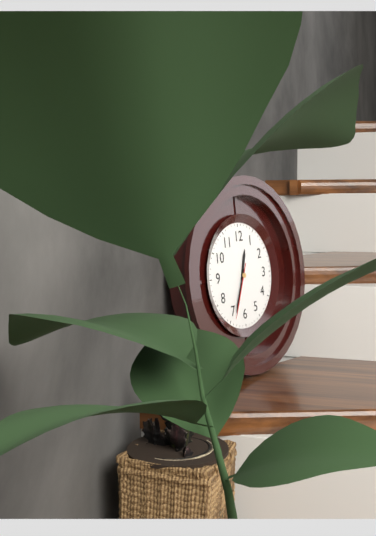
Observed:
12h34m34s
